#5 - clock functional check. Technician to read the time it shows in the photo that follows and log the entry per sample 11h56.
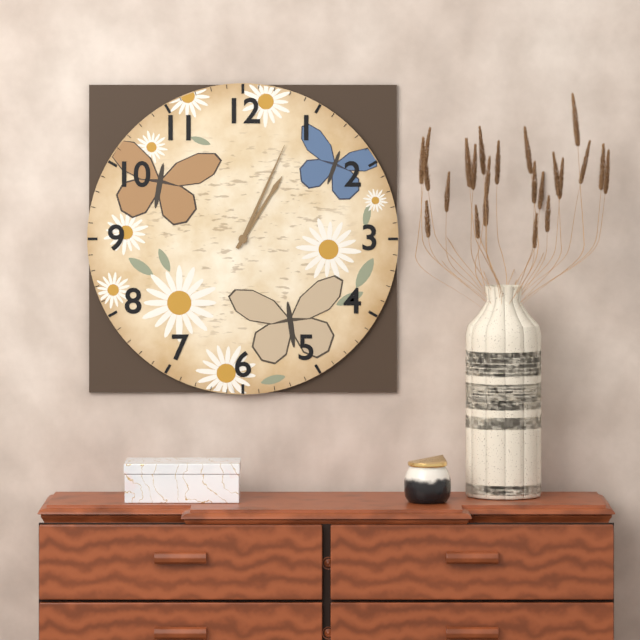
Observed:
1h04
